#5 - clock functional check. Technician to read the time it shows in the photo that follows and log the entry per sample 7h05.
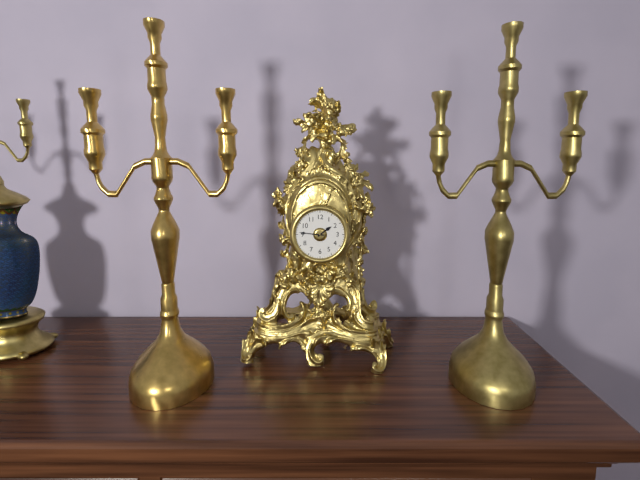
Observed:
1h46
